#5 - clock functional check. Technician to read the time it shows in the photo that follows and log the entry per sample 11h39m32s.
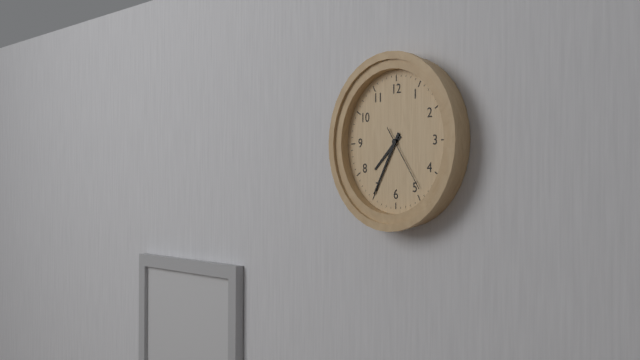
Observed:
7h35m24s
